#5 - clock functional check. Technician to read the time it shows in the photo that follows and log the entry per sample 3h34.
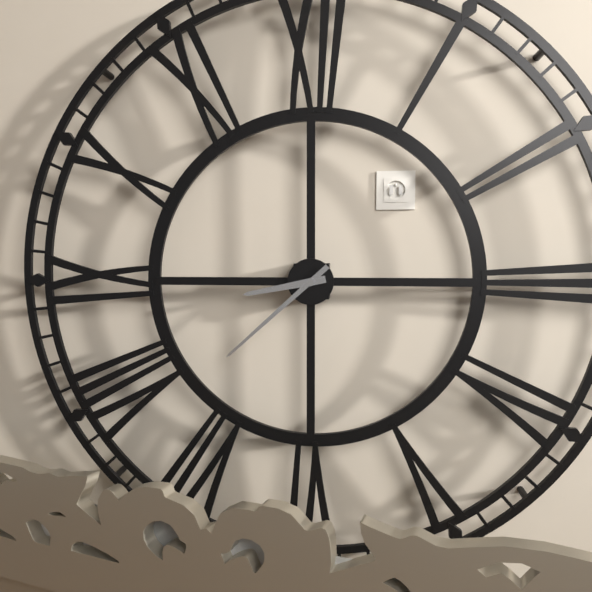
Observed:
8h38
